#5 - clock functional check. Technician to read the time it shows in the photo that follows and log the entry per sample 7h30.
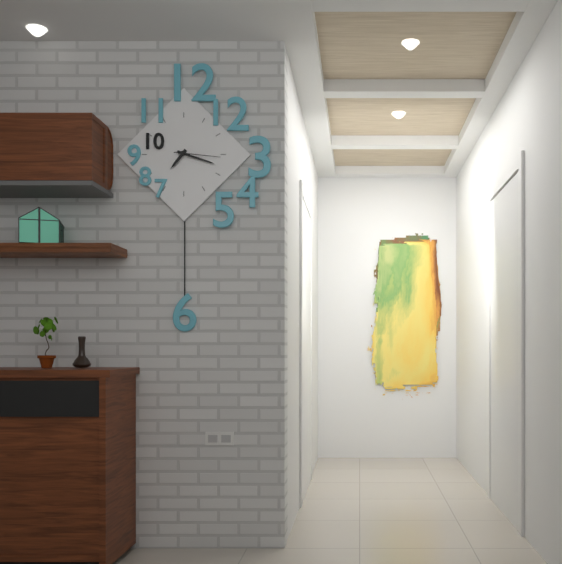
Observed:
7h18
